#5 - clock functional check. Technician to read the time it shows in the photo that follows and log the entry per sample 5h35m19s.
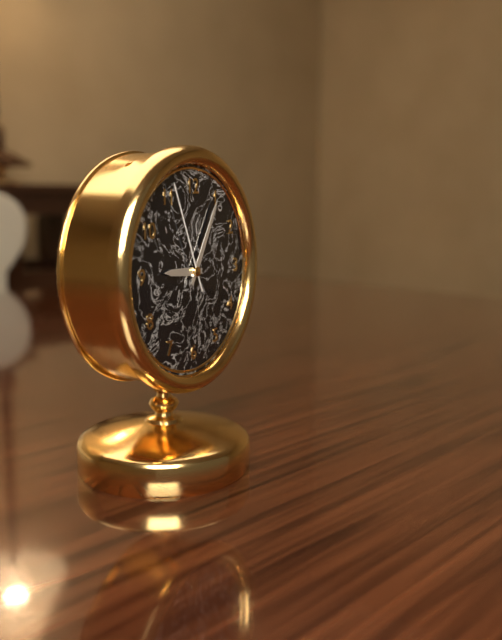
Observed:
9h05m56s
